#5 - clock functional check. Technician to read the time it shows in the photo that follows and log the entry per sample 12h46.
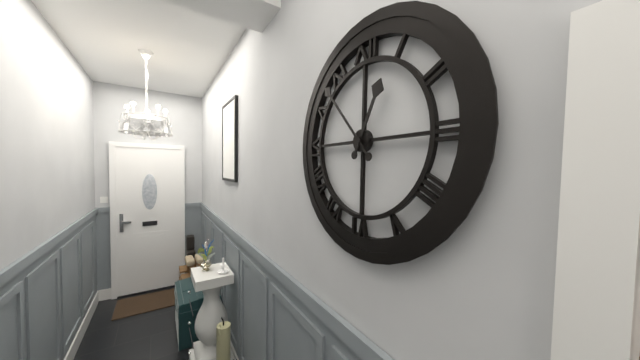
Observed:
12h53
